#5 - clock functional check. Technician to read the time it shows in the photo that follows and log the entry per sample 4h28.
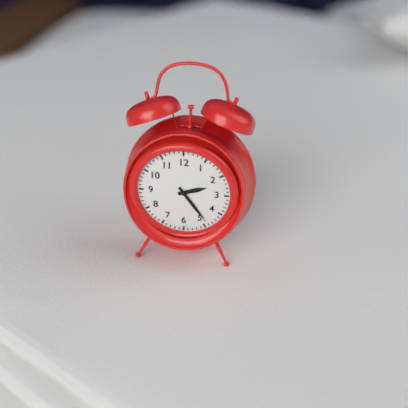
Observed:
2h24
